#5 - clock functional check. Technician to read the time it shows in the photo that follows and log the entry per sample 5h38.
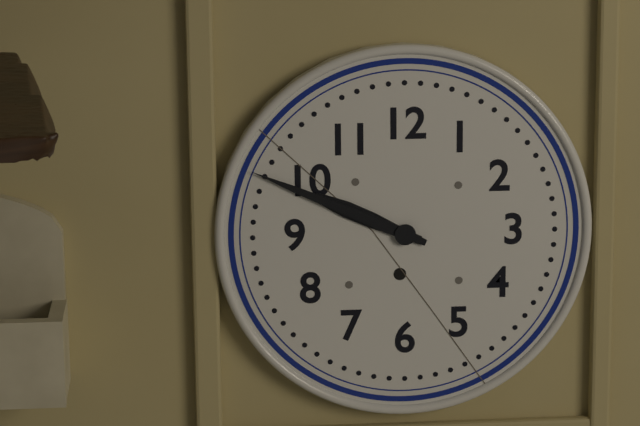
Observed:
9h49
